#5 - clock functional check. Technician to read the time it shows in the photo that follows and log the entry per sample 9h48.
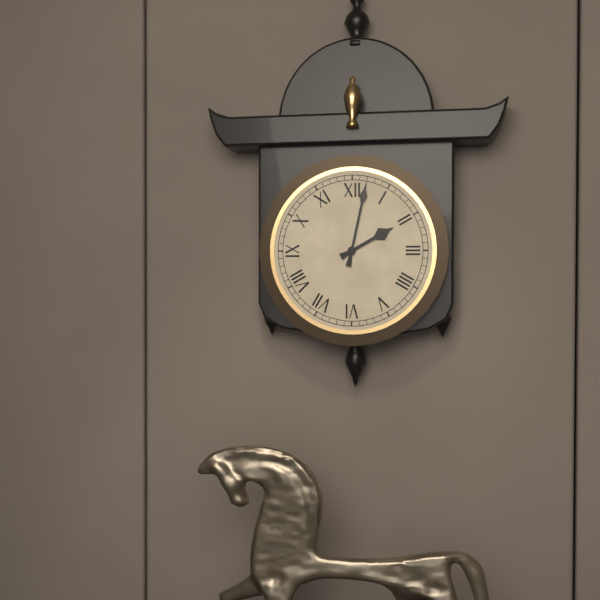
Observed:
2h02
